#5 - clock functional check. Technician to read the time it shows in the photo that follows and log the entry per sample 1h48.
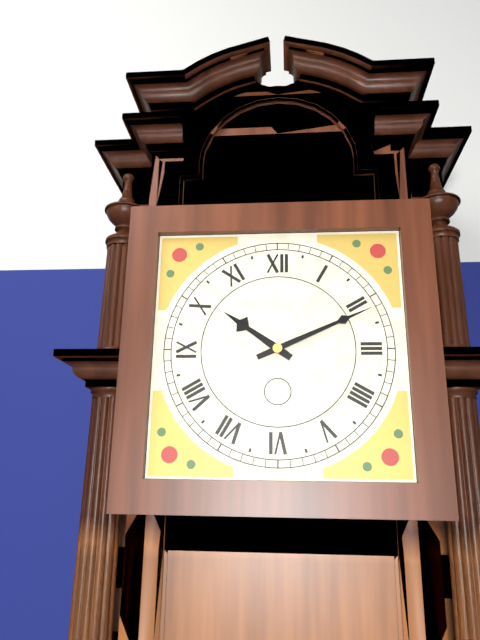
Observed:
10h11
